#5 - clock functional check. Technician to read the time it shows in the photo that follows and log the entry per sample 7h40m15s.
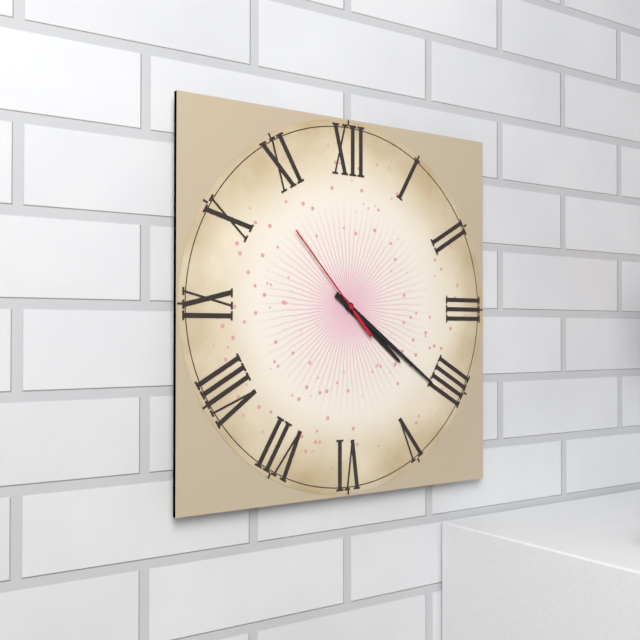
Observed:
4h21m53s
